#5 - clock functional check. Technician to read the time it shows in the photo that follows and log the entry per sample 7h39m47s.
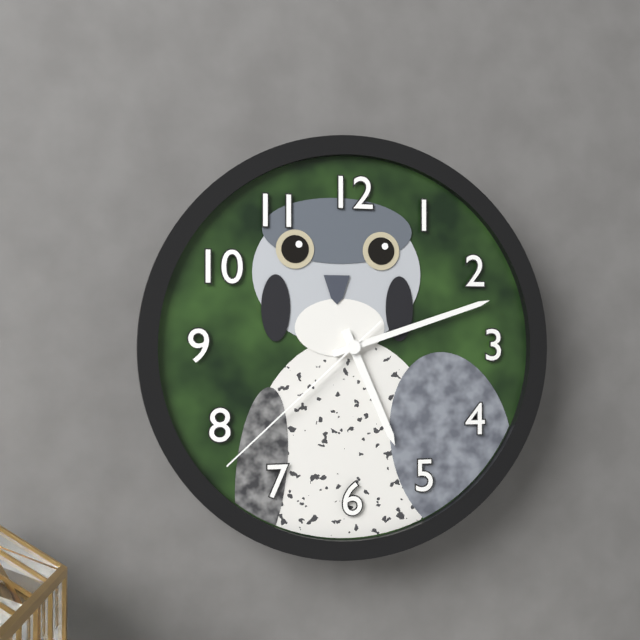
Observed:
5h12m38s
